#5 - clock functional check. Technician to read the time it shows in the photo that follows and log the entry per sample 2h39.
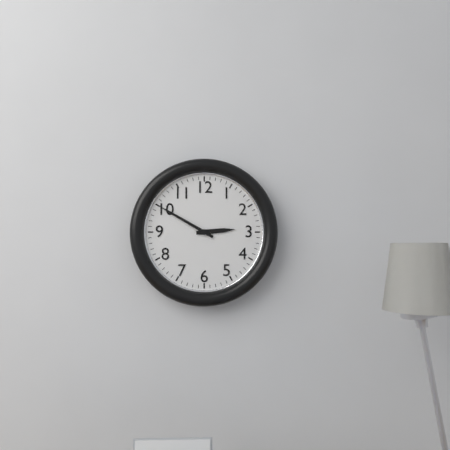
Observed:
2h50
